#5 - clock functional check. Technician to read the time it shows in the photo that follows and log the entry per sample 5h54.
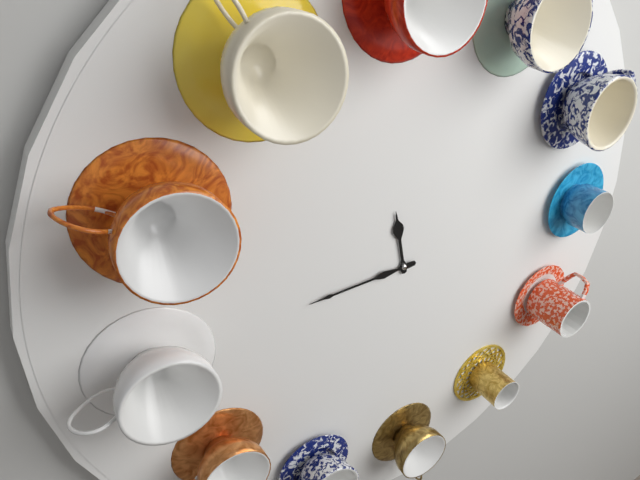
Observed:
11h45
